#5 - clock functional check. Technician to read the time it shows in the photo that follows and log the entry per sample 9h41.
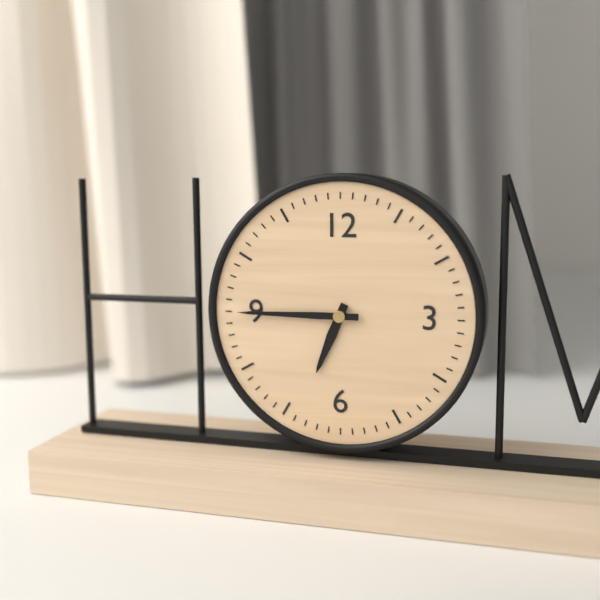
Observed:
6h45
